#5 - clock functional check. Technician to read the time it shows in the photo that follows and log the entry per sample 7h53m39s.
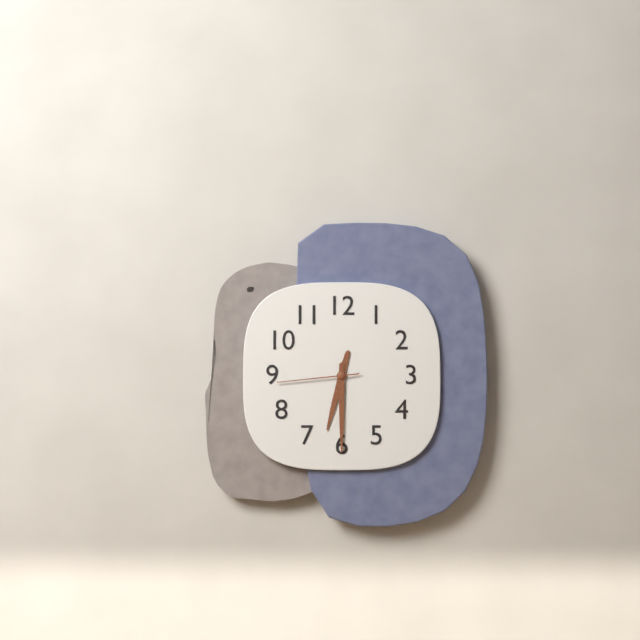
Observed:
6h30m44s
